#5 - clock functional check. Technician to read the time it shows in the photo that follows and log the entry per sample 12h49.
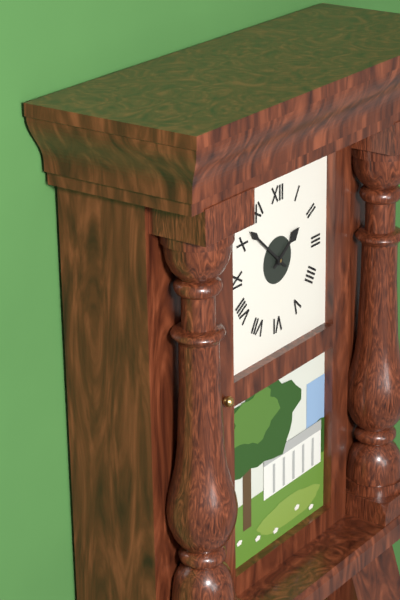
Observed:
1h52
